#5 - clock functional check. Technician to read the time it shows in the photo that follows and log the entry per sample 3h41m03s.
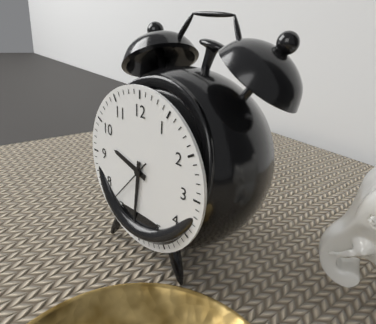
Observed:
9h31m37s
